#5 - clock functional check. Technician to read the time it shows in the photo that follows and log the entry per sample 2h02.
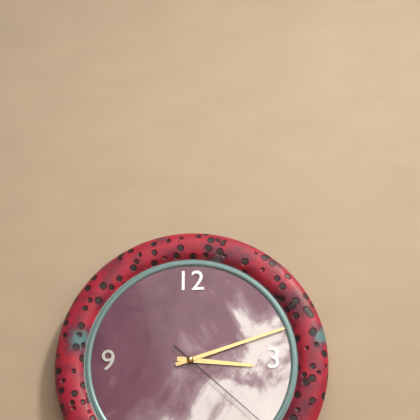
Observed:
3h12
